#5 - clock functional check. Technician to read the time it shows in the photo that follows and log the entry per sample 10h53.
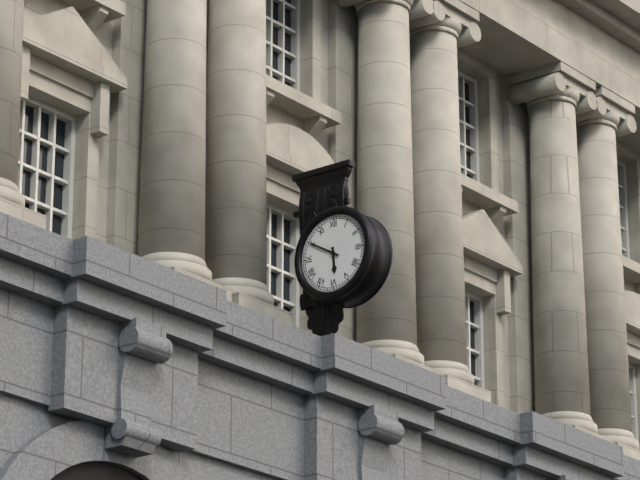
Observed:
5h50
